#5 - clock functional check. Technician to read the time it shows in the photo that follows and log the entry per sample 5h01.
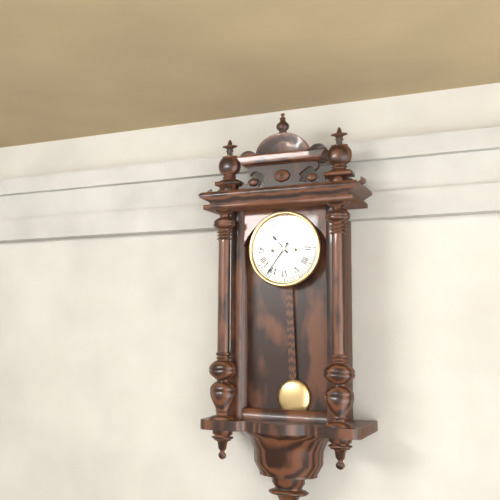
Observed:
10h36
